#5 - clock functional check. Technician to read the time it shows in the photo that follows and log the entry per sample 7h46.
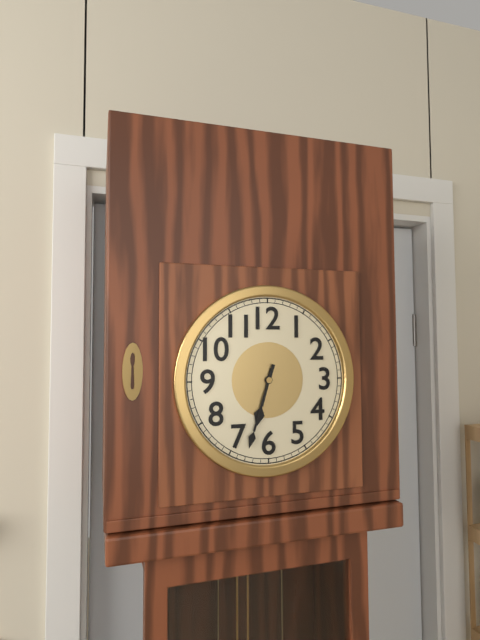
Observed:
6h33
